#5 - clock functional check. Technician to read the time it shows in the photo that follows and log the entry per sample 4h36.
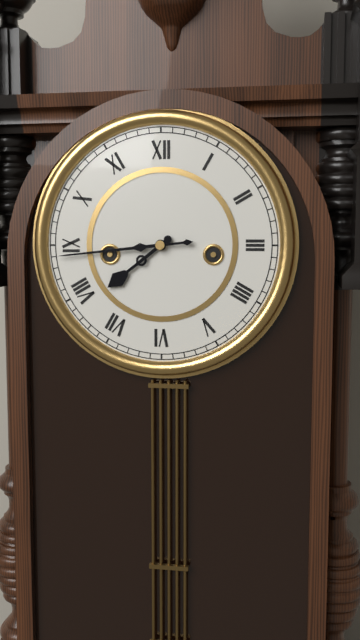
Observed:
7h44
